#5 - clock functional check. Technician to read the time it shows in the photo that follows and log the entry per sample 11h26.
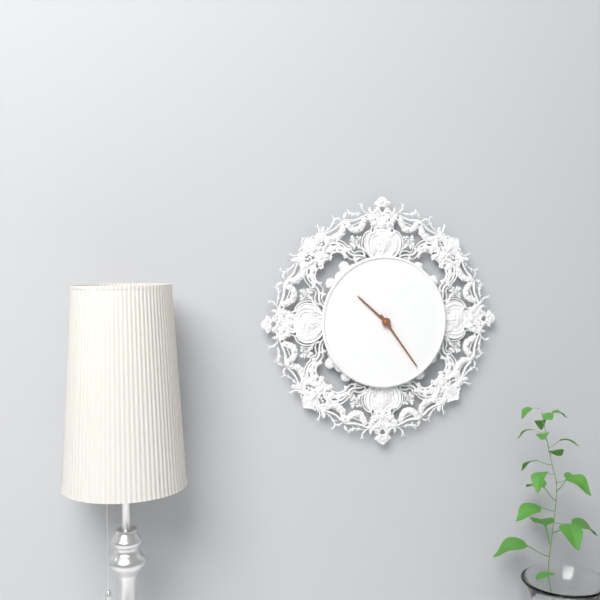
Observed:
10h24
